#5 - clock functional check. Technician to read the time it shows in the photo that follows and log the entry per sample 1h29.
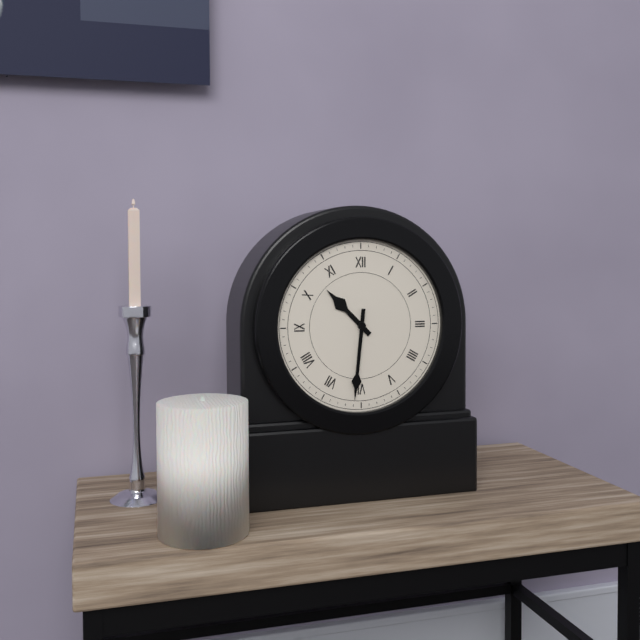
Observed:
10h31
